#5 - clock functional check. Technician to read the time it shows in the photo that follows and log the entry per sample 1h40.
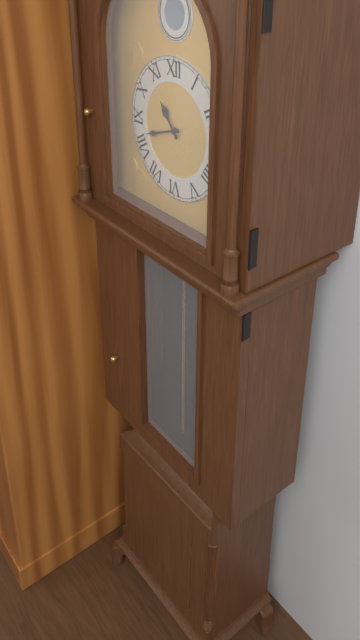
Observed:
10h42
